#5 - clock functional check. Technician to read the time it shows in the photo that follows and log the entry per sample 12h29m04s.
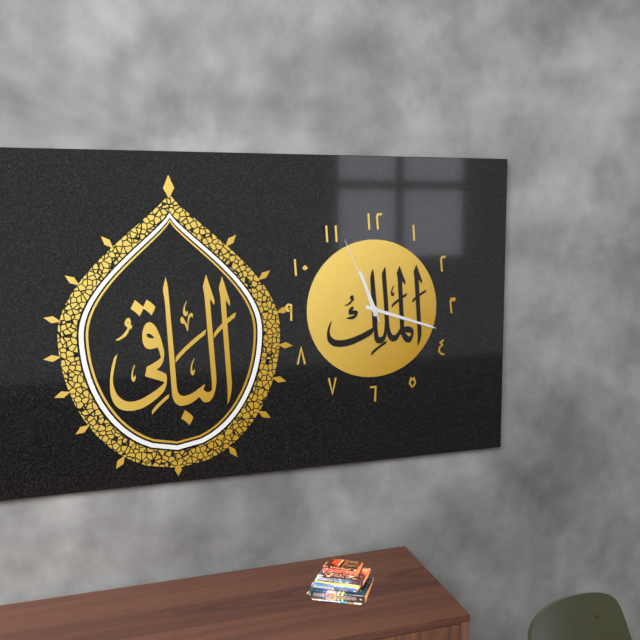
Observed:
11h18m56s
